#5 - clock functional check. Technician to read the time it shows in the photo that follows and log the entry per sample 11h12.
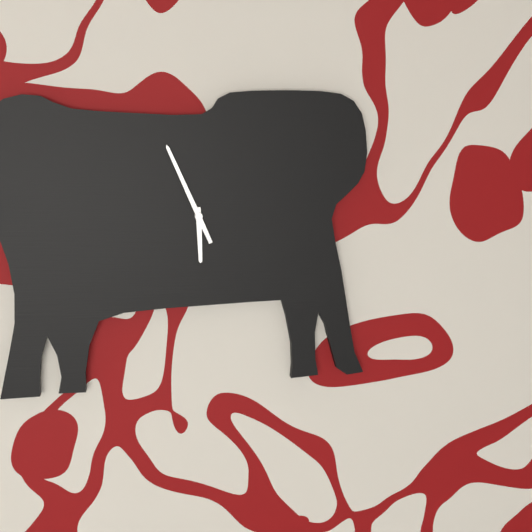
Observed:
5h56
